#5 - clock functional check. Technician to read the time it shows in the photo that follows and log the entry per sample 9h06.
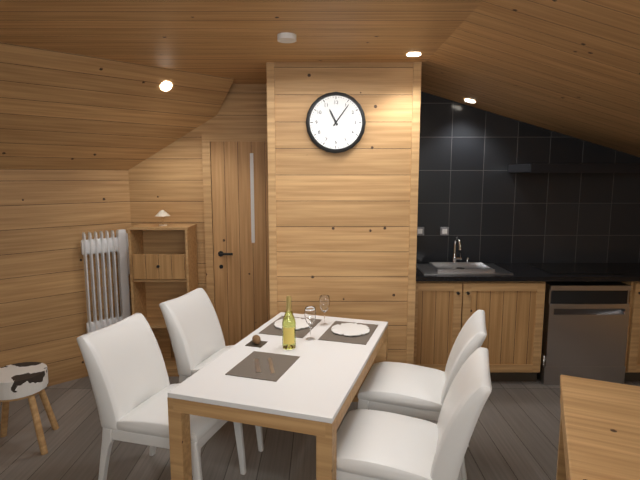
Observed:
11h06
